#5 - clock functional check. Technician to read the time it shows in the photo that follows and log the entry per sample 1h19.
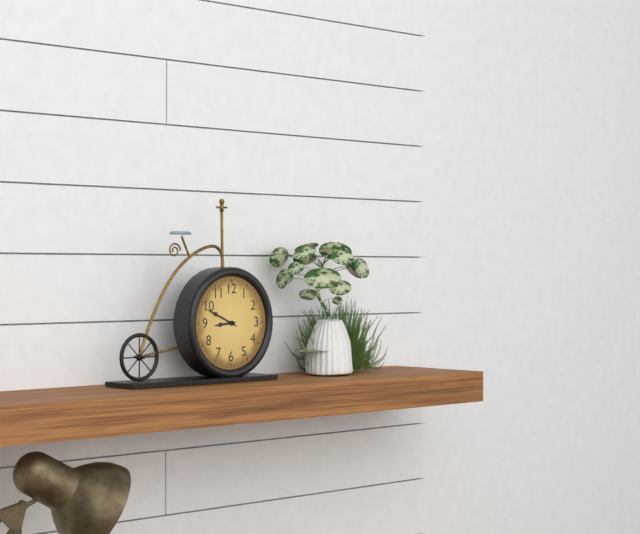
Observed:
8h49
